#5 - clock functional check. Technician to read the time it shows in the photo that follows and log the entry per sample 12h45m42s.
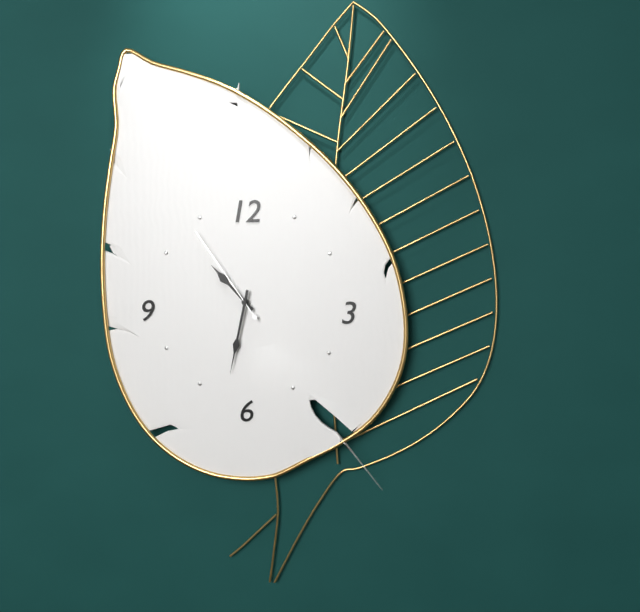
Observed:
10h32m54s
